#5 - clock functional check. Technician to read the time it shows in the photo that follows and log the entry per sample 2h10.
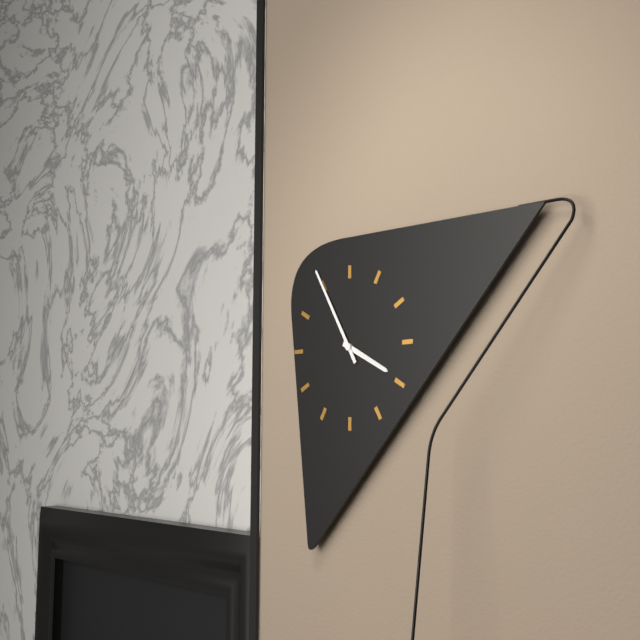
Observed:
3h55
